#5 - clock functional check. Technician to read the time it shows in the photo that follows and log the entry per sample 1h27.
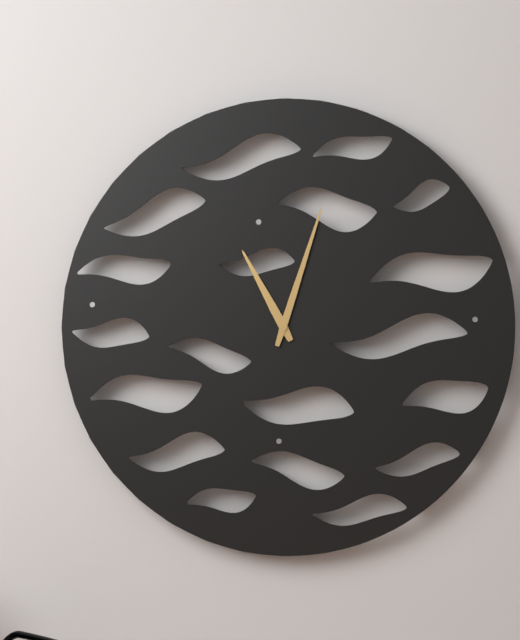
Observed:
11h03
